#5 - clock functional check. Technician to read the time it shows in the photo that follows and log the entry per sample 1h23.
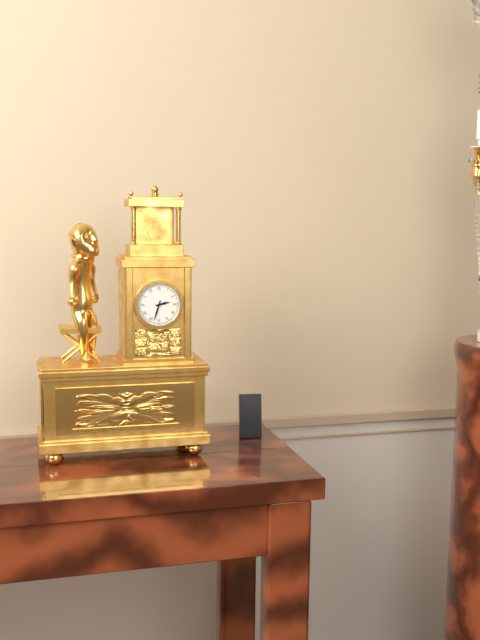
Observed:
2h33
